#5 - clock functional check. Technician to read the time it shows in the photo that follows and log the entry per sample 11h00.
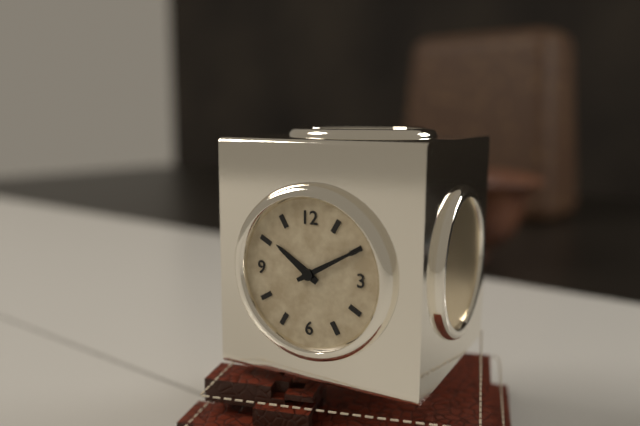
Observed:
10h10
